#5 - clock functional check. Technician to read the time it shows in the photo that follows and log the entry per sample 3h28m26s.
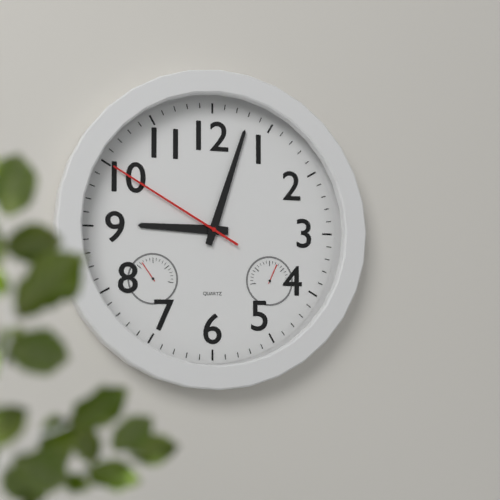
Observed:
9h03m50s
